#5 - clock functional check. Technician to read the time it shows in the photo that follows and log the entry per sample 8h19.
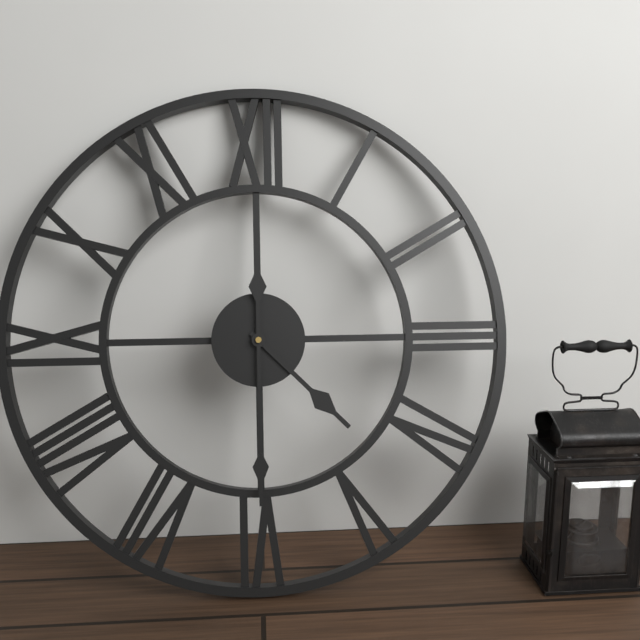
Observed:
4h30
